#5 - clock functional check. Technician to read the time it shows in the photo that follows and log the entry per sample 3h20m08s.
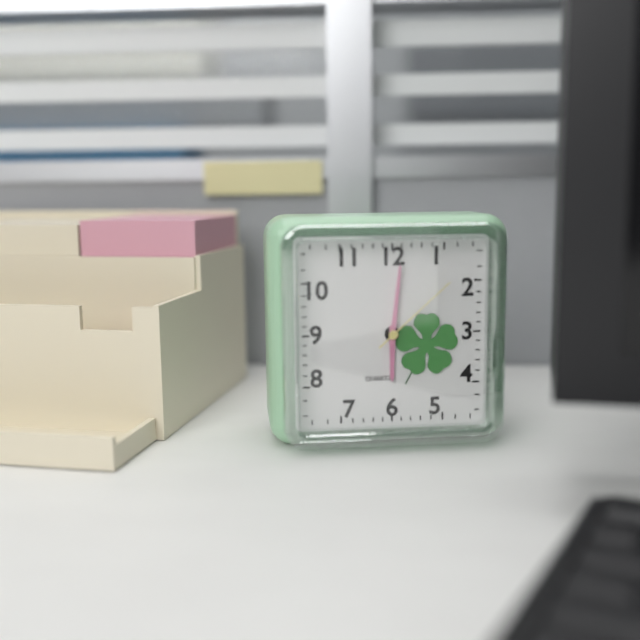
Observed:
6h01m08s
